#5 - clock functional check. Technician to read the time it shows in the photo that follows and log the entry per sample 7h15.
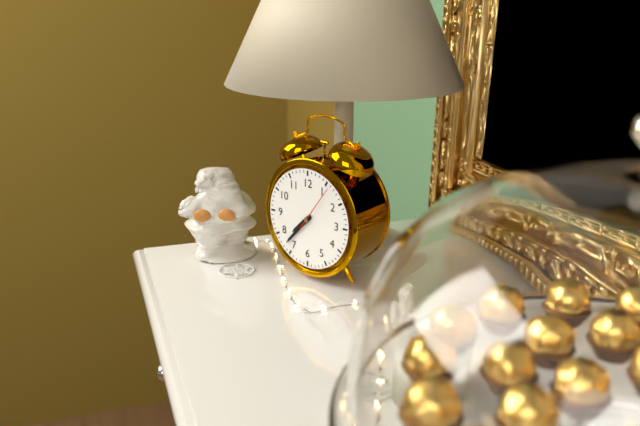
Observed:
7h37
